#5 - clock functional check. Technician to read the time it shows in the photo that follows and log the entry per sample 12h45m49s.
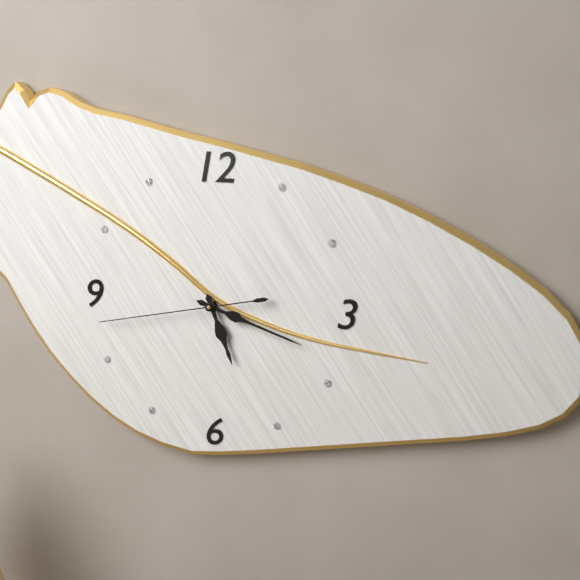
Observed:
5h18m43s
